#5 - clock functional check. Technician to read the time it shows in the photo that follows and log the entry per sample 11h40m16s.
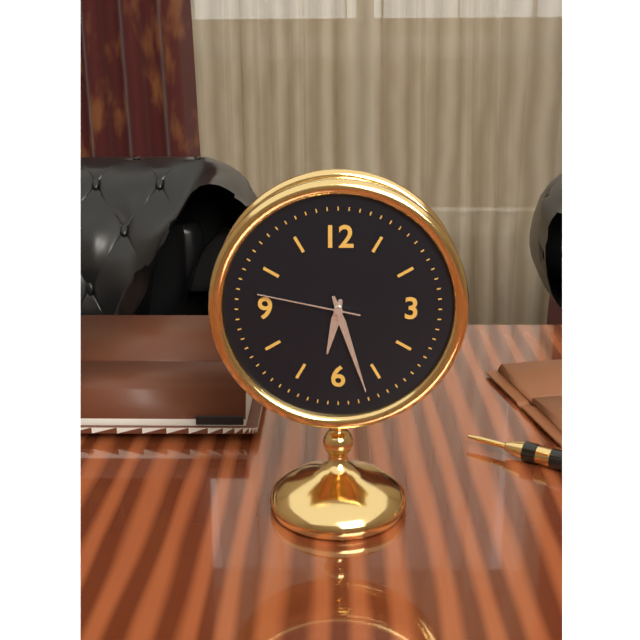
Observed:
6h27m47s
